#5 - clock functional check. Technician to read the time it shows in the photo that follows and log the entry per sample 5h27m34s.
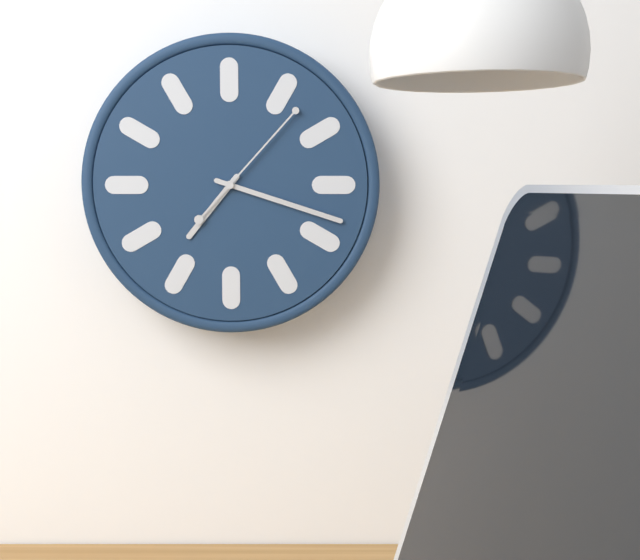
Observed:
7h18m07s
